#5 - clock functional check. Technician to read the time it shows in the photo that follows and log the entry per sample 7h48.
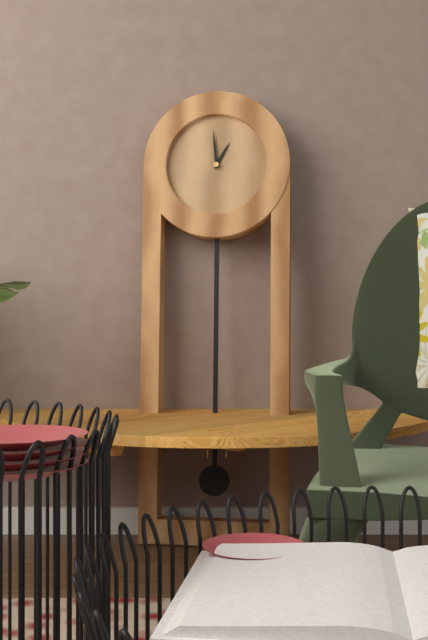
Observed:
12h59
